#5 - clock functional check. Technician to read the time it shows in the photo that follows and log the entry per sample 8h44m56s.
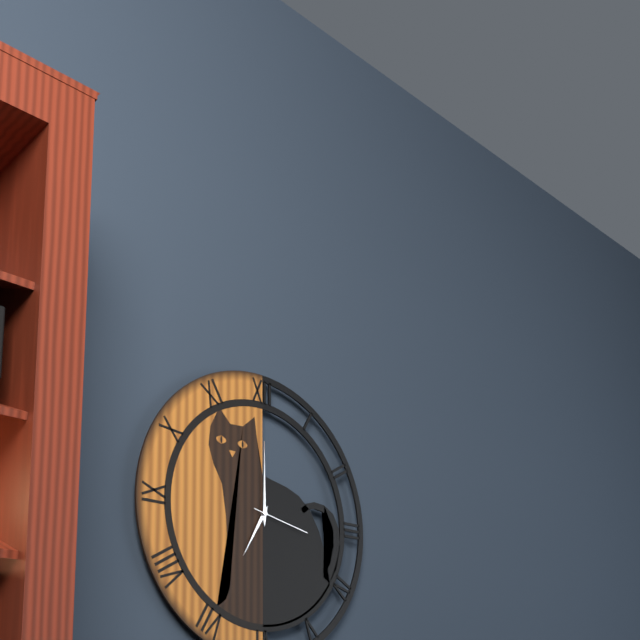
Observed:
7h00m17s
